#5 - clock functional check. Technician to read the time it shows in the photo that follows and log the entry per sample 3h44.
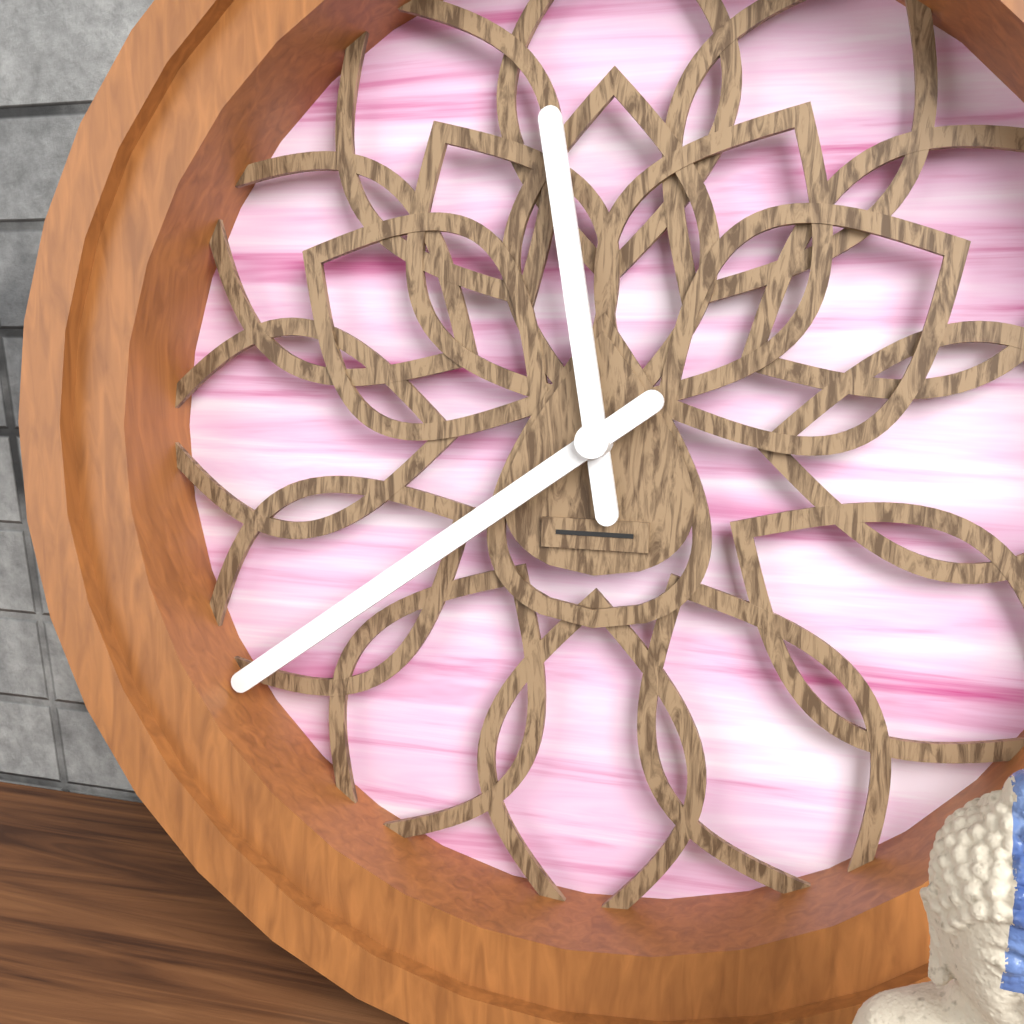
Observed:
11h39
